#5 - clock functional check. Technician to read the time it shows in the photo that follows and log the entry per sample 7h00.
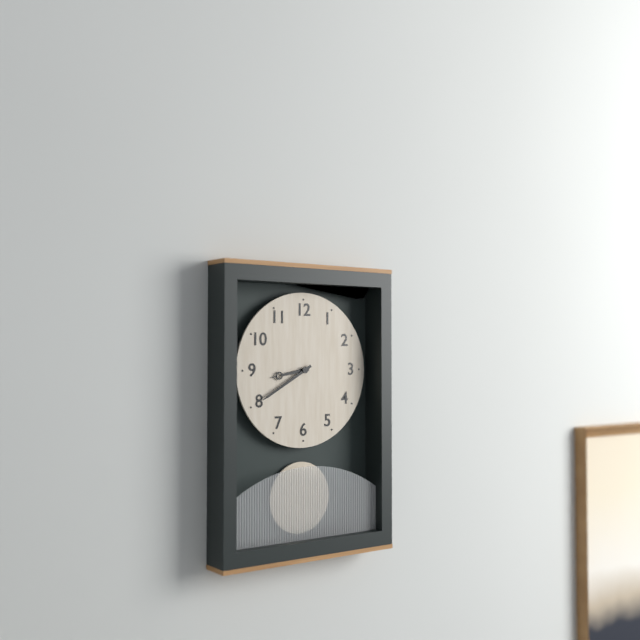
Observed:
8h40
